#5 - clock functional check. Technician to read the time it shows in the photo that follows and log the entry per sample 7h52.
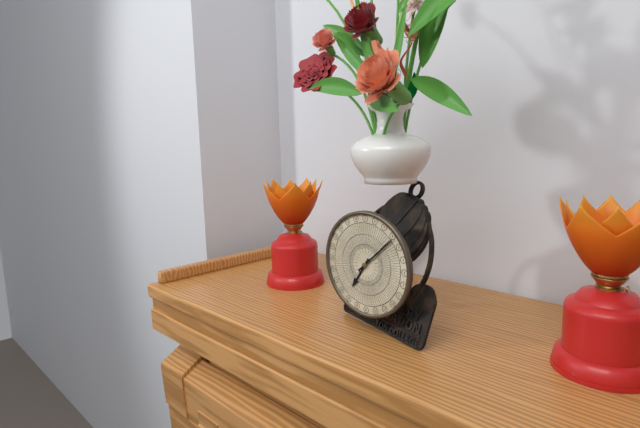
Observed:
7h08
